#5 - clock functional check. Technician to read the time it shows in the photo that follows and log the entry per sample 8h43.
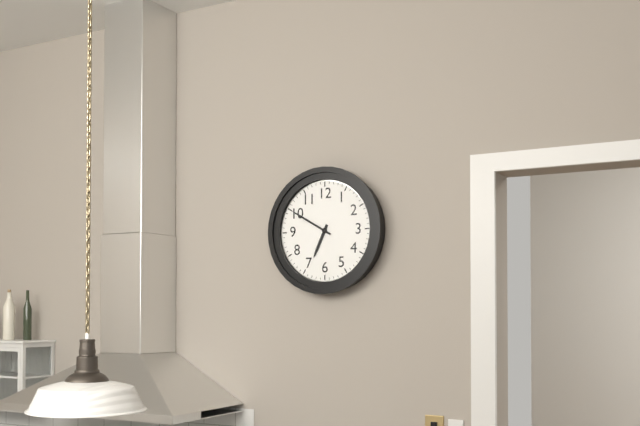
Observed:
6h50
